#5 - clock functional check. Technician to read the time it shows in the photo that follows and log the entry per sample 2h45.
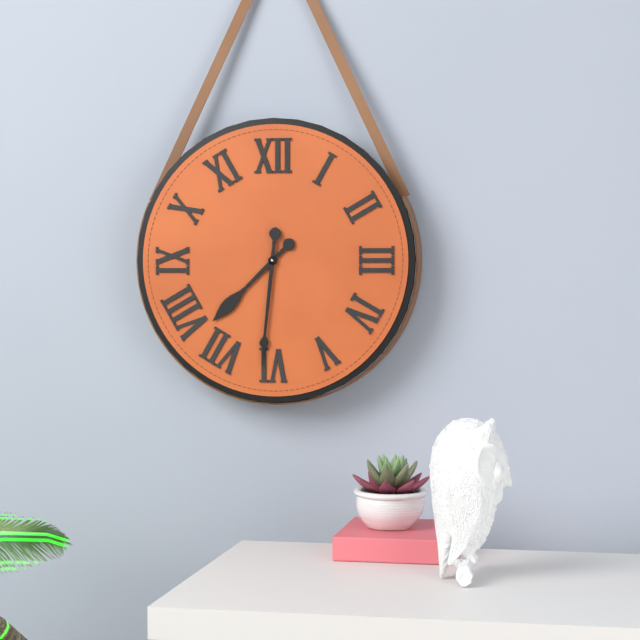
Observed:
7h31
